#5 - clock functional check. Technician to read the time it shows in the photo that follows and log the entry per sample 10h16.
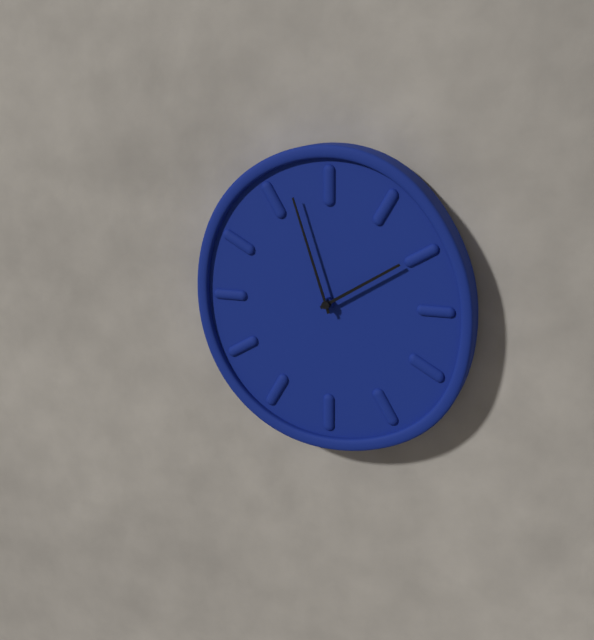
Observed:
1h57
